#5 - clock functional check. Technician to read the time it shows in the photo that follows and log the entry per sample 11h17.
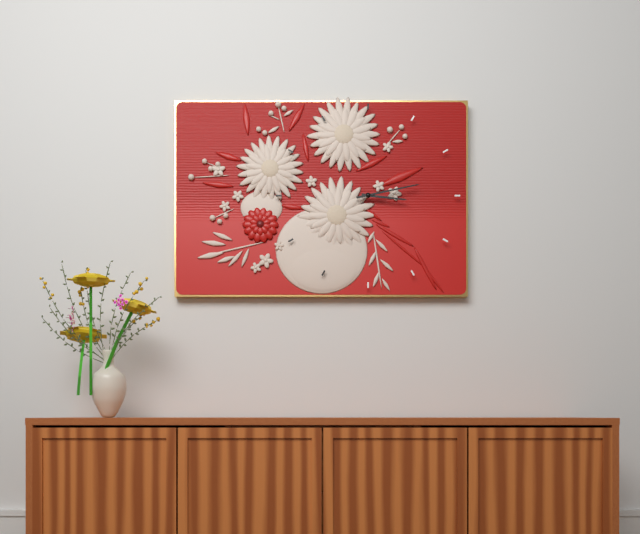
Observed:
3h13
